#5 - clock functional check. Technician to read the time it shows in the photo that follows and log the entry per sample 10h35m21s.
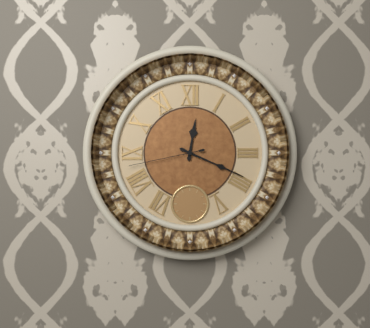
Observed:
12h19m43s
